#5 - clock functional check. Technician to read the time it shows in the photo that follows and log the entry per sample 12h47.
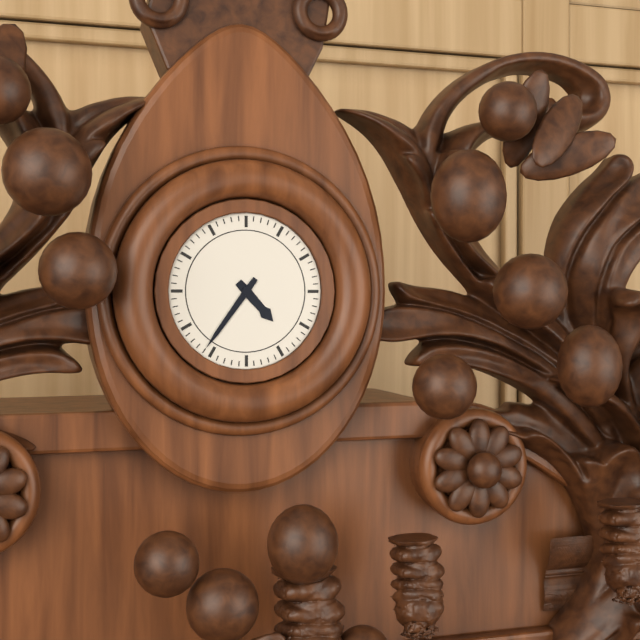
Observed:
4h36
